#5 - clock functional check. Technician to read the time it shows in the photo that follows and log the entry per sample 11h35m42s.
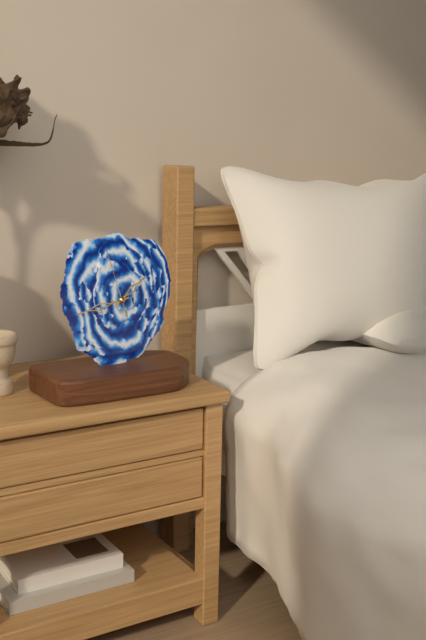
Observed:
1h43m57s
